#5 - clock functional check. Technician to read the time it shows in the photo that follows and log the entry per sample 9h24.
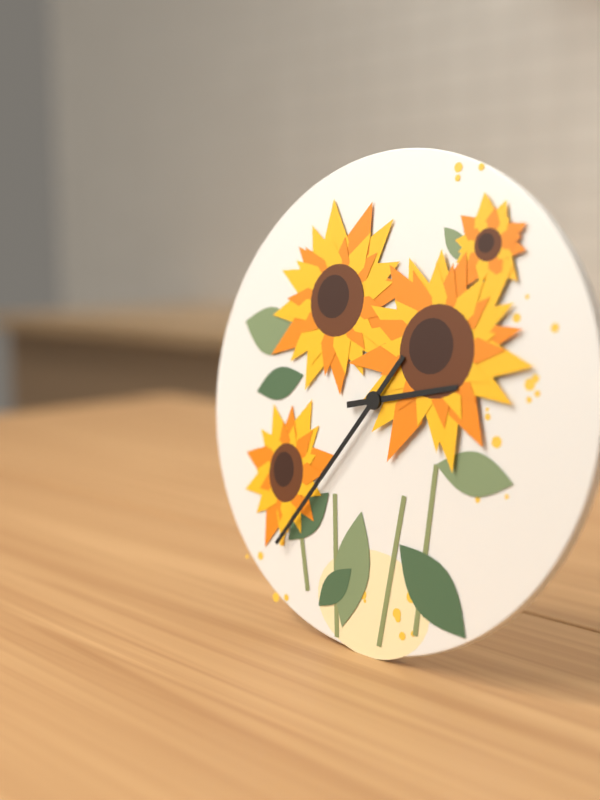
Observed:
2h36
